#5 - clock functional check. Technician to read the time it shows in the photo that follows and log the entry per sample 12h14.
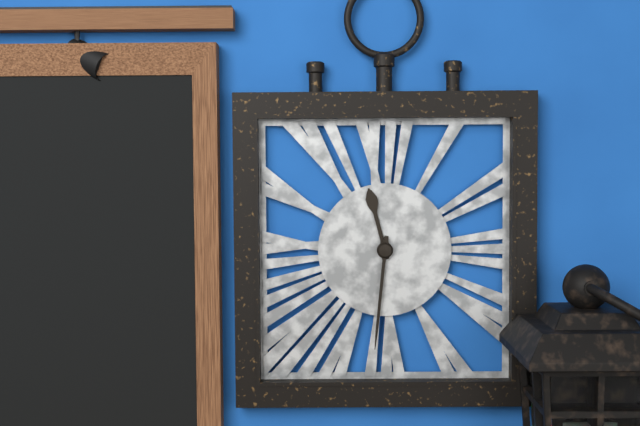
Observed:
11h31
